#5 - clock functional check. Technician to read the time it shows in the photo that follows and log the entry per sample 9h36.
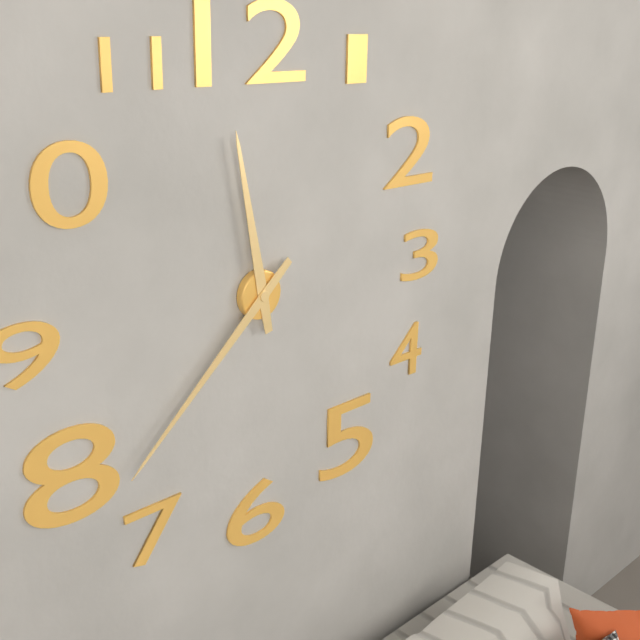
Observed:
11h38
